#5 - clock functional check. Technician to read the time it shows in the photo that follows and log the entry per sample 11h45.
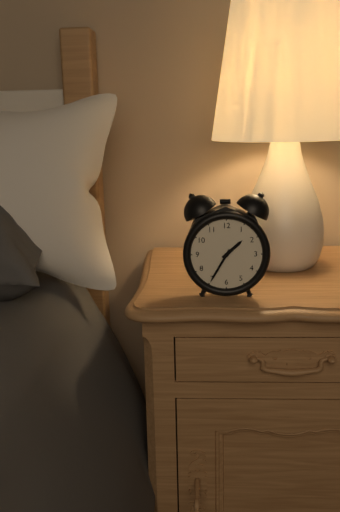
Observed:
1h35
